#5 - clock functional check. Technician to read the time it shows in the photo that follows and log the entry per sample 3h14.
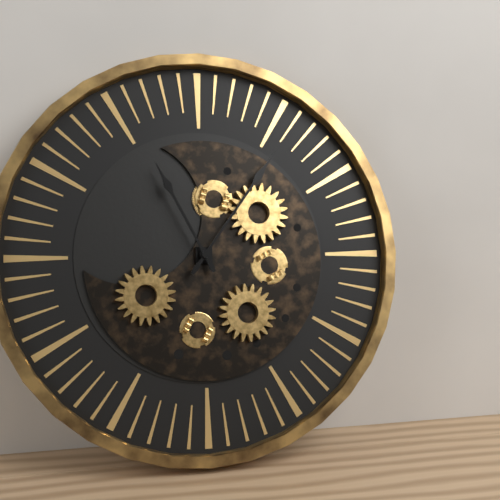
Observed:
11h06
